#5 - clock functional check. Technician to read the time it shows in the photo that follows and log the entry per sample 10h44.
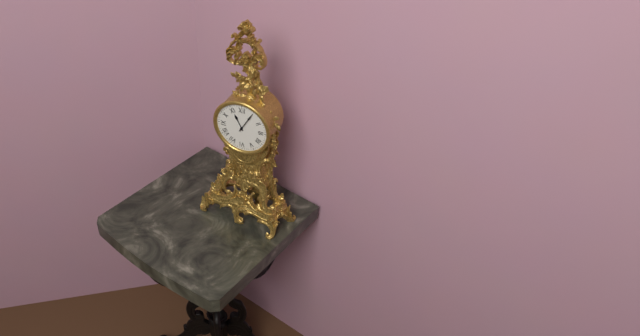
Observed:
11h05
